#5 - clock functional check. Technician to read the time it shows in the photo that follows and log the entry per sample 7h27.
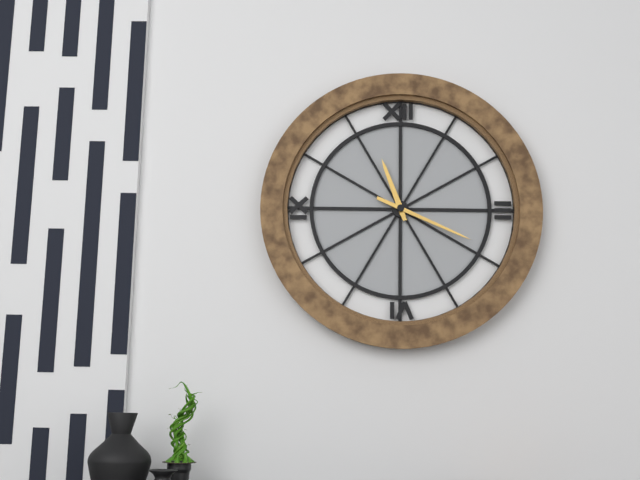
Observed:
11h19
